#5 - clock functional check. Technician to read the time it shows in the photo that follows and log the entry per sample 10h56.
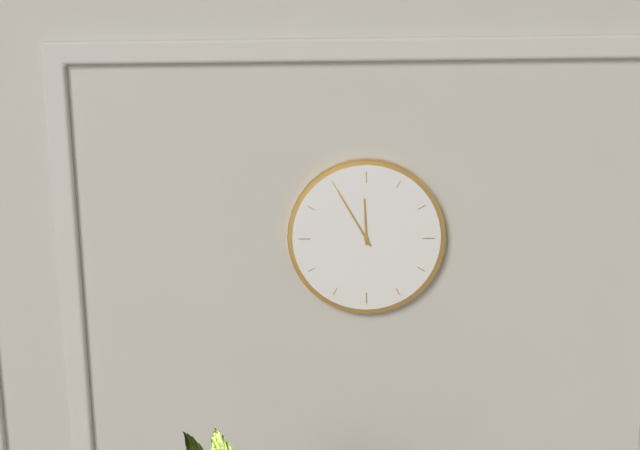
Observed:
11h55
